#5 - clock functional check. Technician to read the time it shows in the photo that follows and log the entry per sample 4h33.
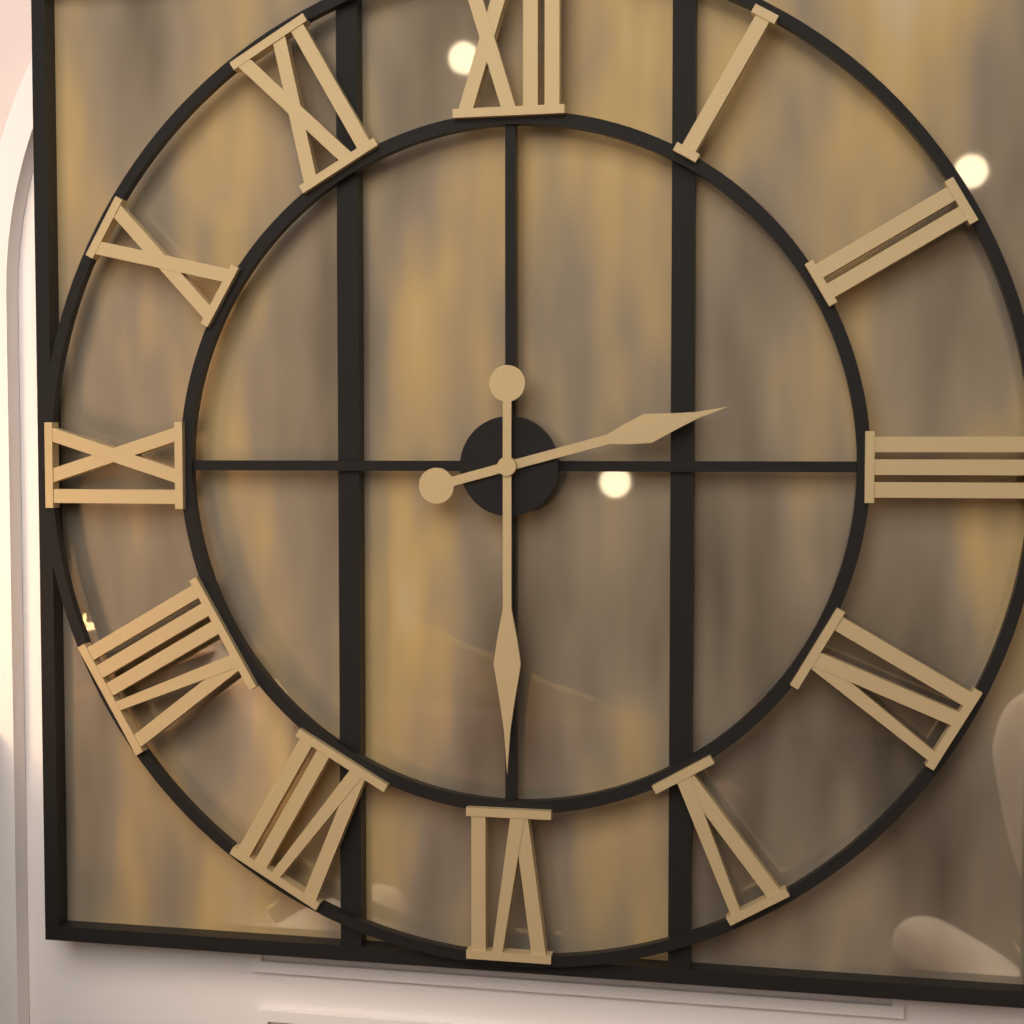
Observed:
2h30
